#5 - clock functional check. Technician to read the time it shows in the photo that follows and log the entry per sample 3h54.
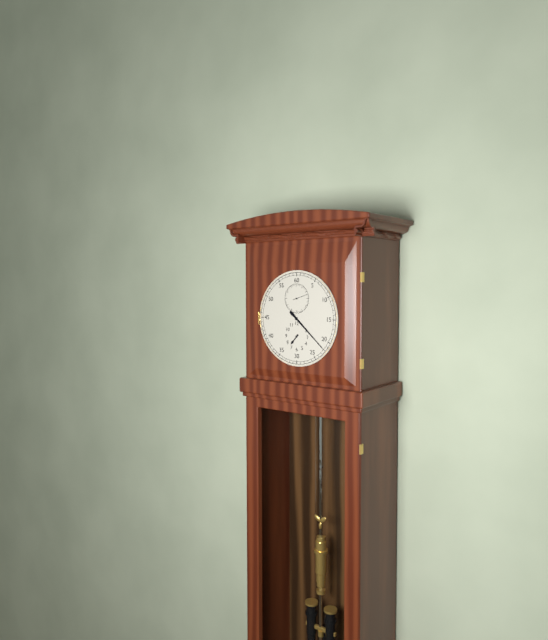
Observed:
7h22
